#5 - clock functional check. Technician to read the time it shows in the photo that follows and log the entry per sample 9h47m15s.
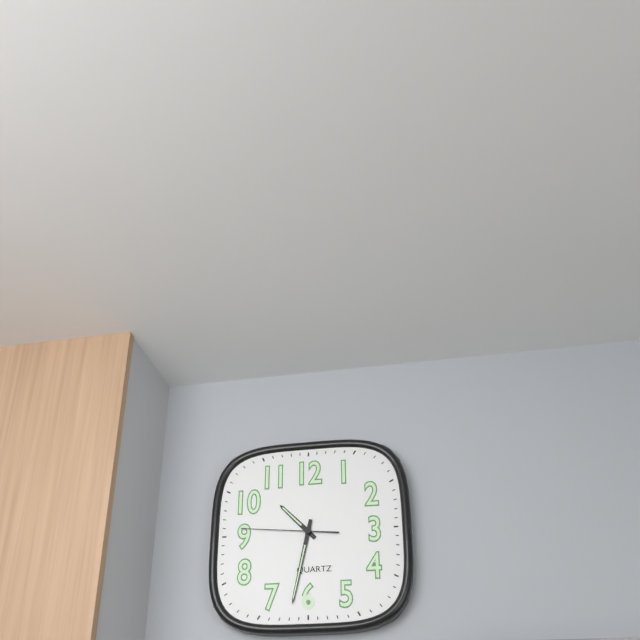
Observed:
10h32m46s
